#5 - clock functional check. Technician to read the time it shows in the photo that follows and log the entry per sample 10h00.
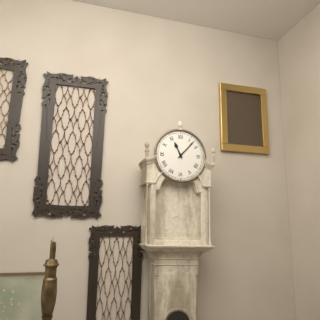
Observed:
11h07
